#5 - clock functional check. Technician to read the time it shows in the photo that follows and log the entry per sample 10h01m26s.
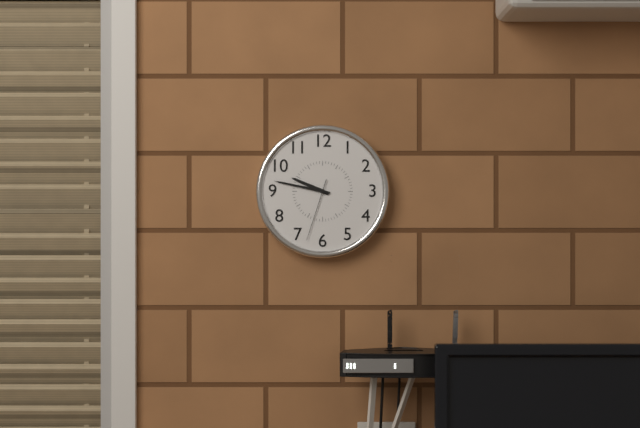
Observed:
9h47m33s
